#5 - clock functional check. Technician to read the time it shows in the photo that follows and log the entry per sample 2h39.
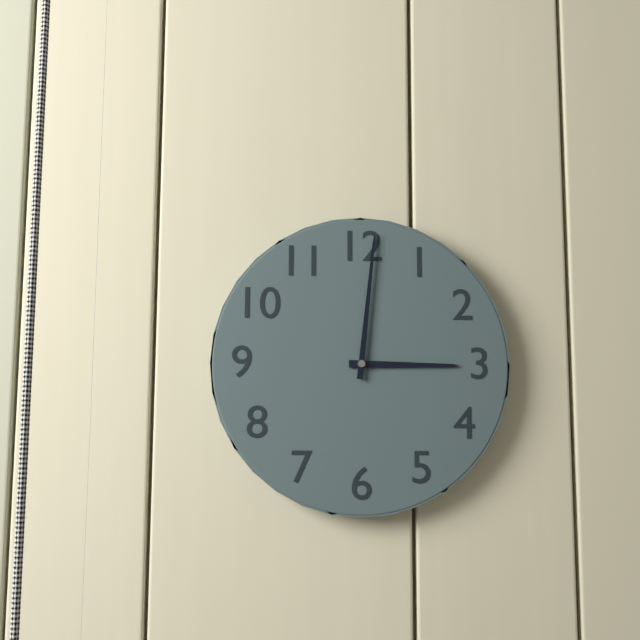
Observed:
3h01
